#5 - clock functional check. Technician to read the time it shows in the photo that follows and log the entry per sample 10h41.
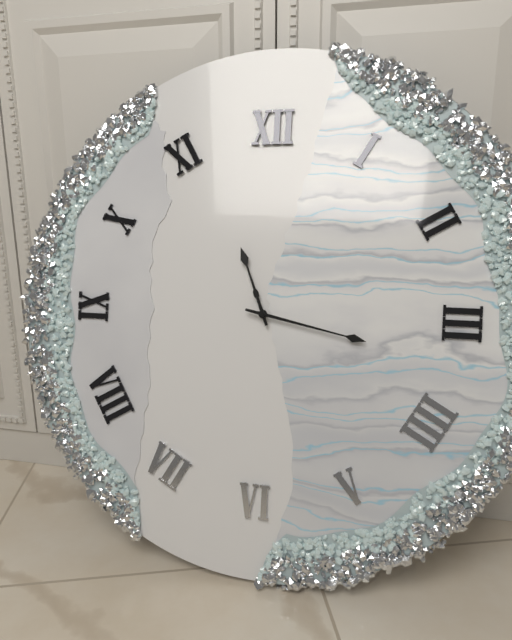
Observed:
11h17
